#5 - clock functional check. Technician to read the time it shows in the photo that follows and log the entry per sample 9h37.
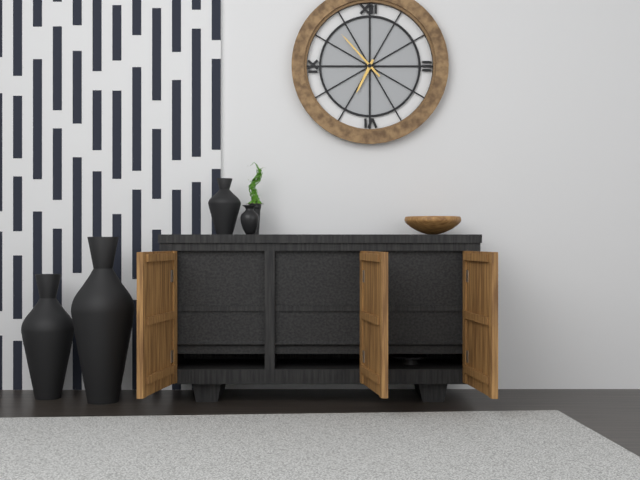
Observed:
6h53
